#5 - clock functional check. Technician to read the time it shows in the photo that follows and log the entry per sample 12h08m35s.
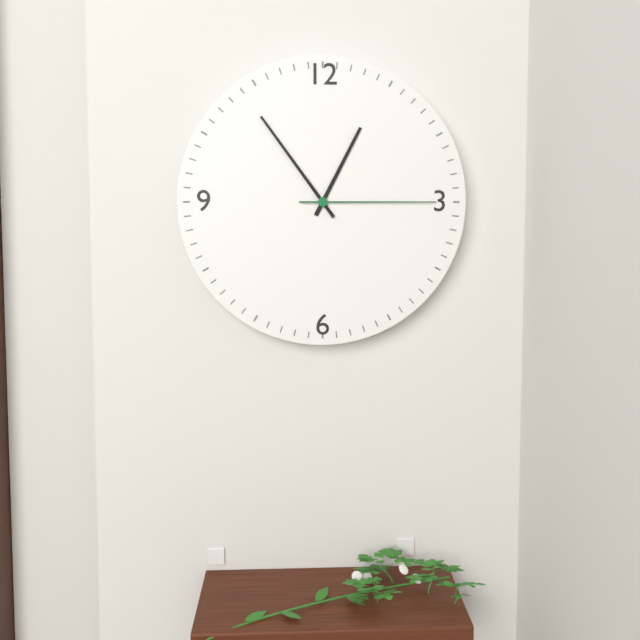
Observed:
12h54m15s
